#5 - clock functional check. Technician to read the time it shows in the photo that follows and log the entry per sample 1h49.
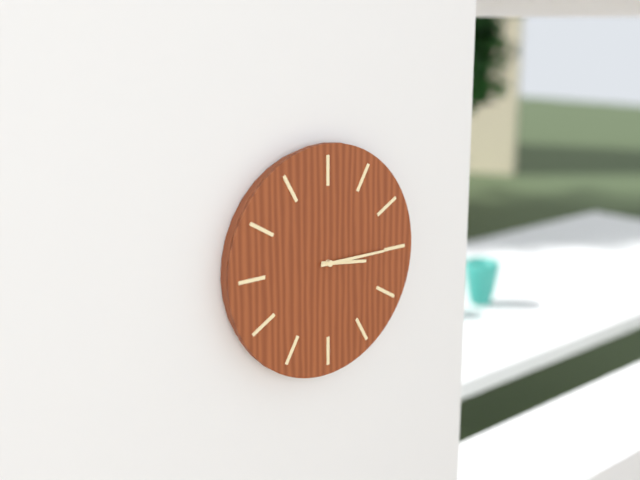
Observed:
3h15
